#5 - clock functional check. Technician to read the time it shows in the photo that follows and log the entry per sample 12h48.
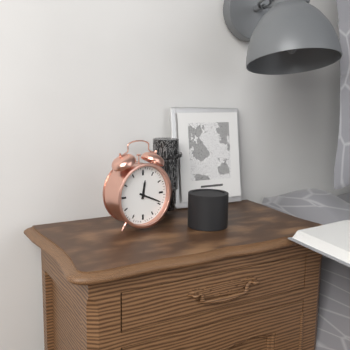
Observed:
12h19
